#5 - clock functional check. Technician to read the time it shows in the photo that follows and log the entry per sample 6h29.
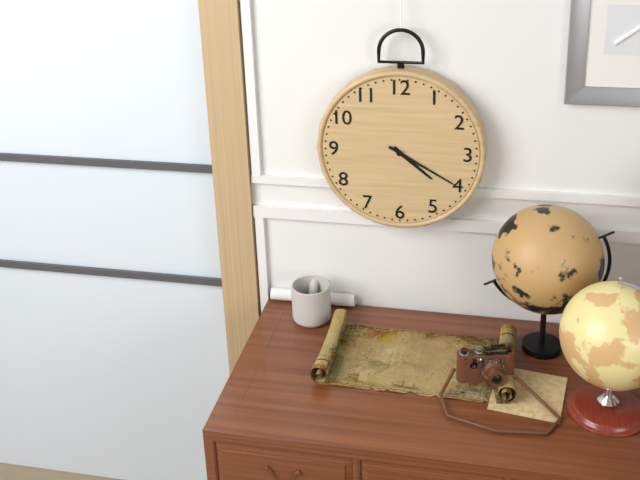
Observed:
4h20
